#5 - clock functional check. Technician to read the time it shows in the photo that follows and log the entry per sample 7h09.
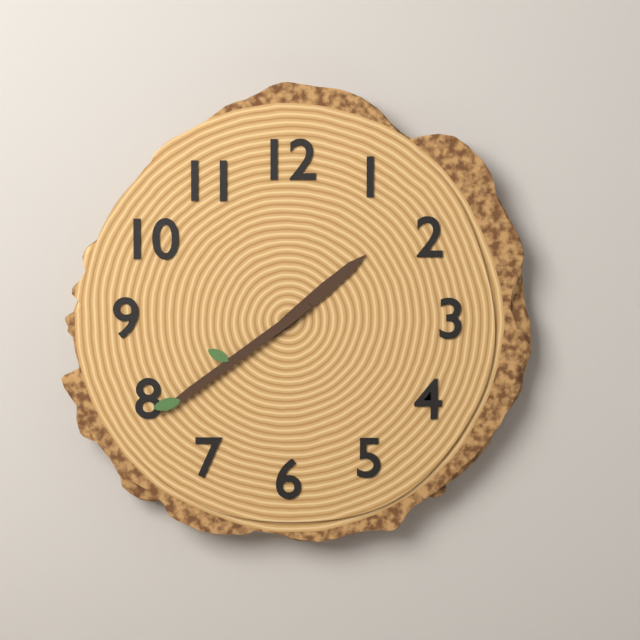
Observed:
1h39
